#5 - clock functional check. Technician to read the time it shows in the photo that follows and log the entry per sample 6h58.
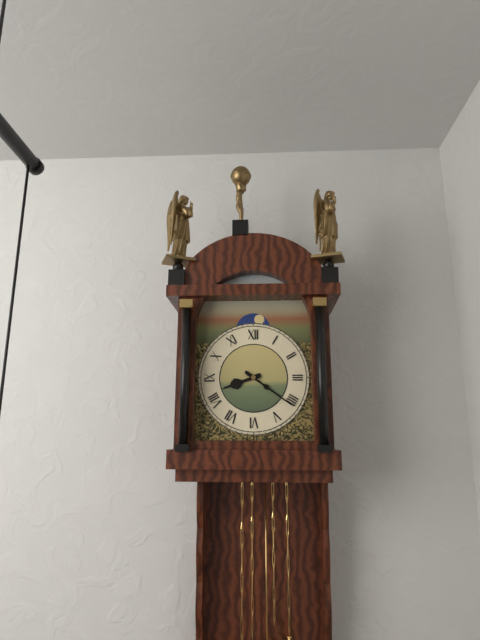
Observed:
8h21
